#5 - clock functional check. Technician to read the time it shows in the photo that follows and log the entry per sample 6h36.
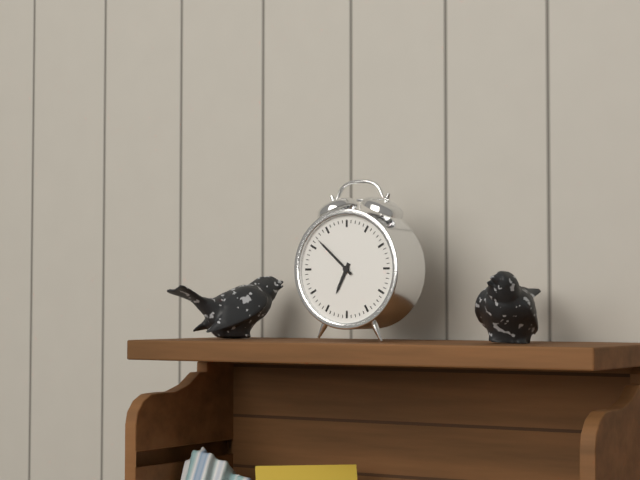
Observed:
6h52
